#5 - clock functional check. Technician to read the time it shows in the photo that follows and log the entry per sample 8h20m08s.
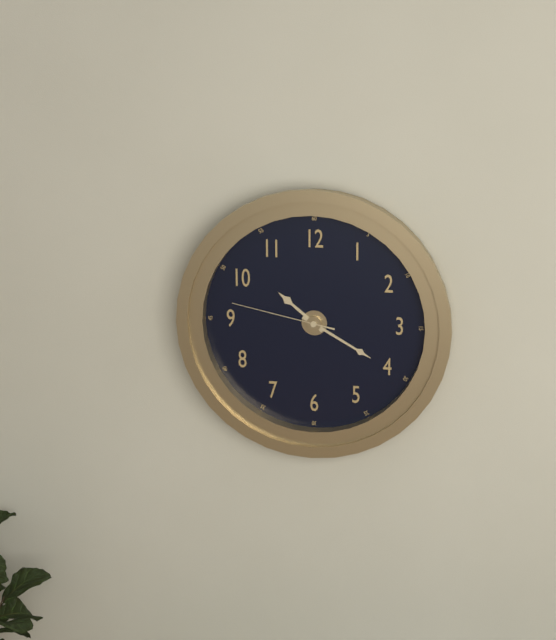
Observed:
10h20m47s
